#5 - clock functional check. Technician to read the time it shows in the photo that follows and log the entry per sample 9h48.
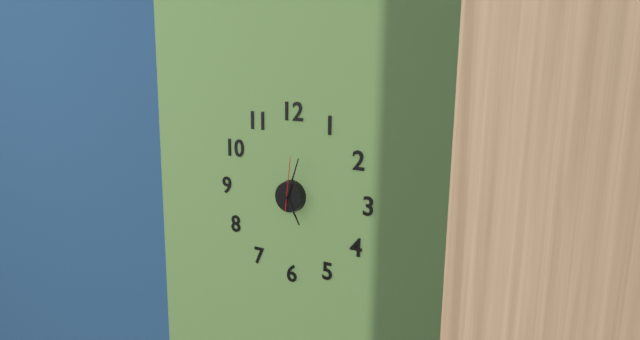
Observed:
5h03
